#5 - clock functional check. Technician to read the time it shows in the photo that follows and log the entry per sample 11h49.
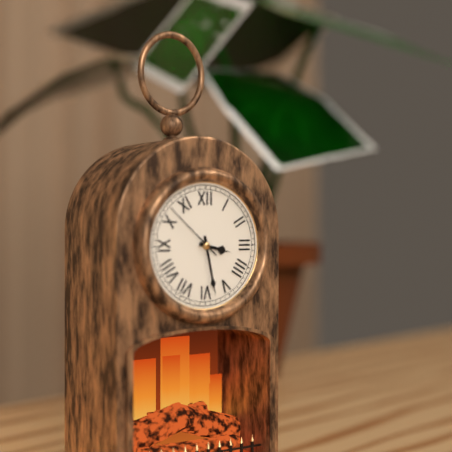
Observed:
3h28
